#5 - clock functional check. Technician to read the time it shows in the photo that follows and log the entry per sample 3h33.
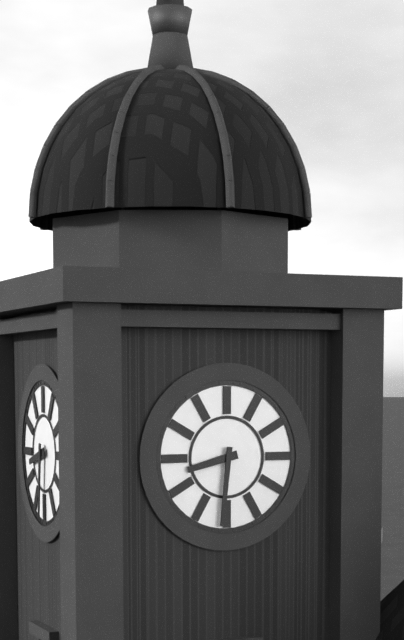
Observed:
8h31
